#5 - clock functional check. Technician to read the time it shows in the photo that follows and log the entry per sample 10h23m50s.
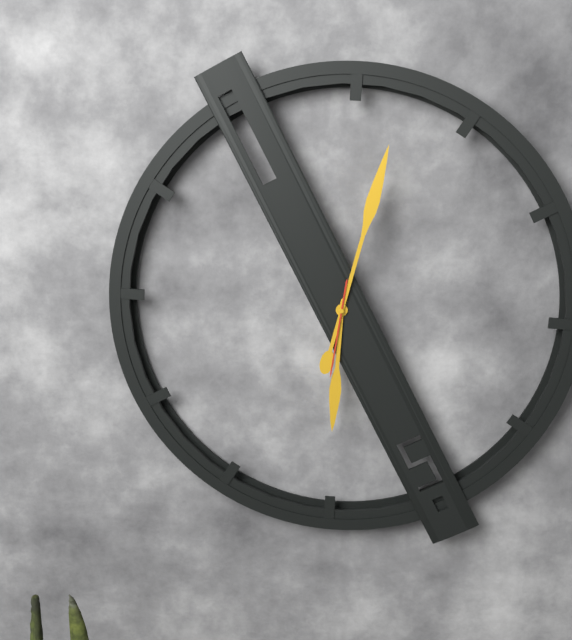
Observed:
6h02m31s
